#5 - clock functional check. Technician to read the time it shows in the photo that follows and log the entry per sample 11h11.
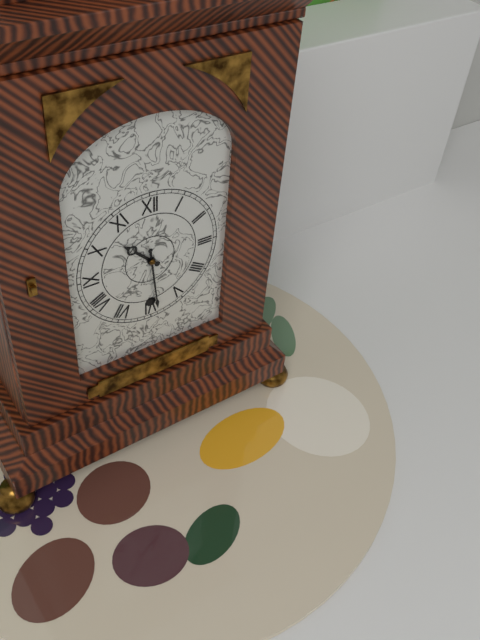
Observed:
10h29
